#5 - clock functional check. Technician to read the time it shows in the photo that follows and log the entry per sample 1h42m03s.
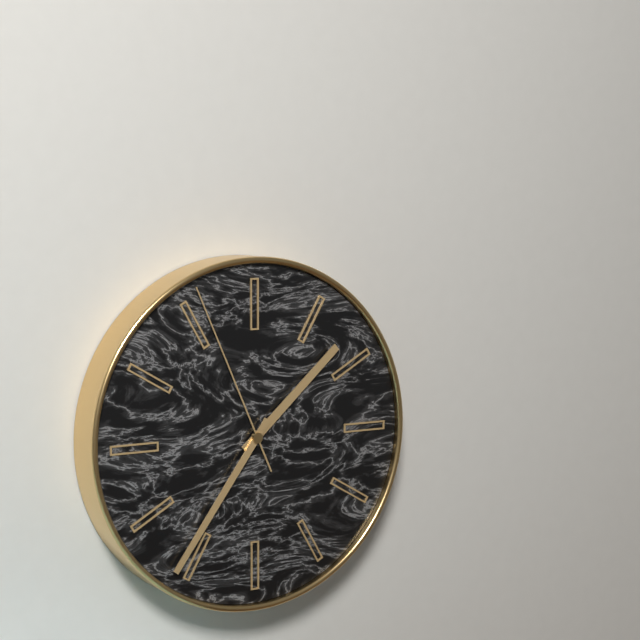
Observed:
1h36m56s
